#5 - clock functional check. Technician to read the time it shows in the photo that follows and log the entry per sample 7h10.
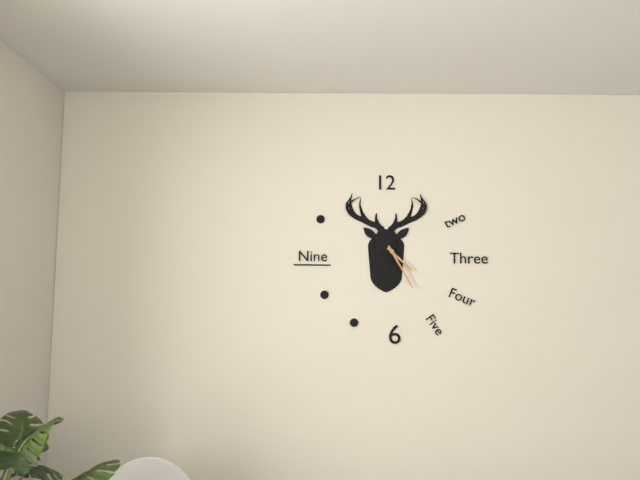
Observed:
4h25
